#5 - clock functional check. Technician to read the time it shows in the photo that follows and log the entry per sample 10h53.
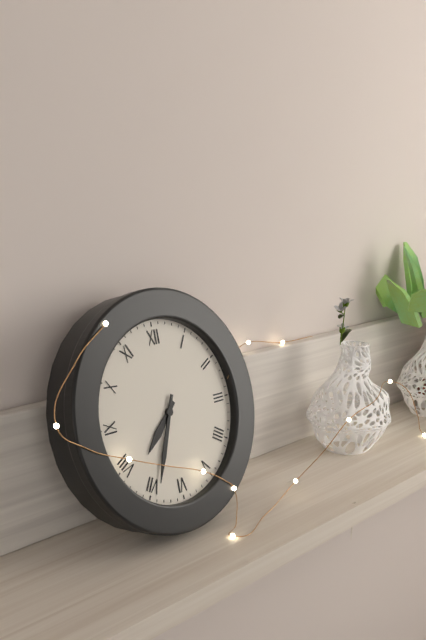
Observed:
7h34
